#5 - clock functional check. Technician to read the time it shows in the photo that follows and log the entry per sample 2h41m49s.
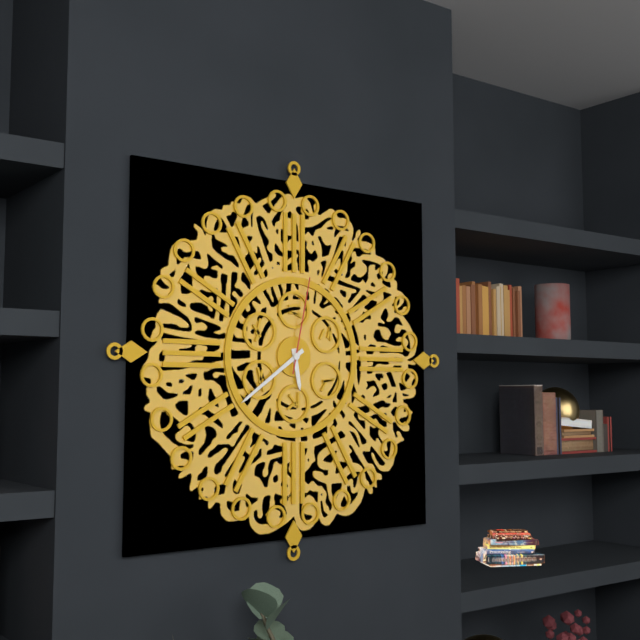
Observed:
5h39m02s
